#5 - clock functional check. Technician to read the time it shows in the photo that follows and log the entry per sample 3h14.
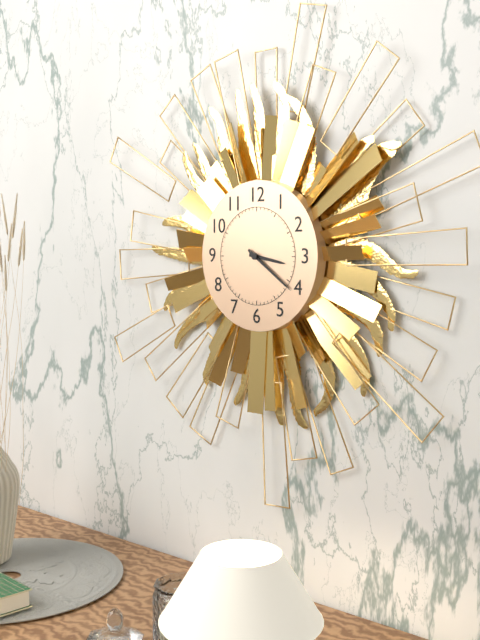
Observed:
3h21
